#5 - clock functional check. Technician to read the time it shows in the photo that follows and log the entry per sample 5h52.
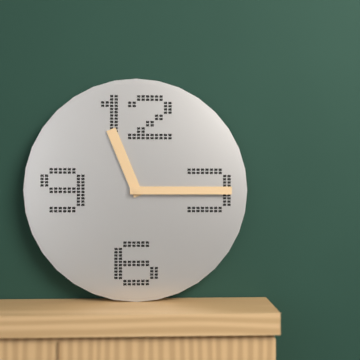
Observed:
11h15
